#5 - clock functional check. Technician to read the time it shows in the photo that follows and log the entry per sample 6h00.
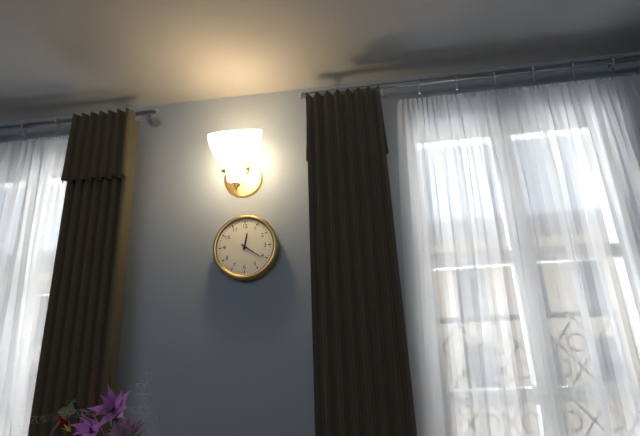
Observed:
12h21
